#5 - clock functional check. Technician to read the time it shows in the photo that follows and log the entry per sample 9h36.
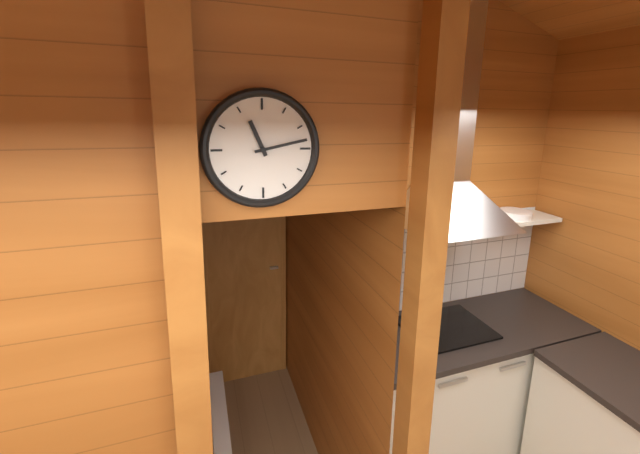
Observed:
11h13
